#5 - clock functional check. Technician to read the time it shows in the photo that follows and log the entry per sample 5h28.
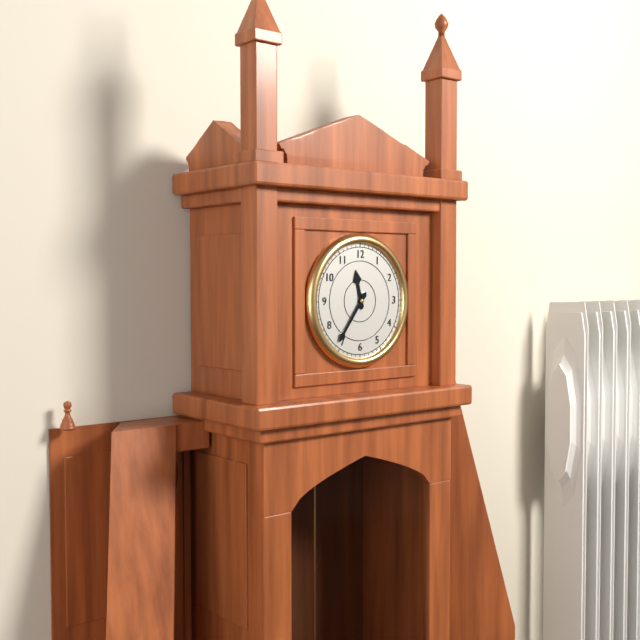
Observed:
11h36
